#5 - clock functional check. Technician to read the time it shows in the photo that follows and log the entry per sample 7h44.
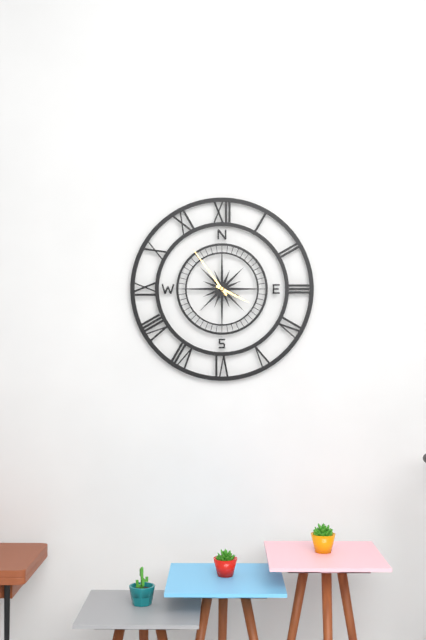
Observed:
3h54
